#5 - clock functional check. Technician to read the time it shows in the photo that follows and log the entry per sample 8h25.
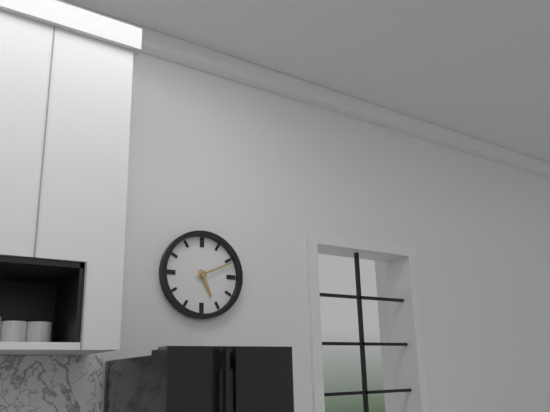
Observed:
5h11
